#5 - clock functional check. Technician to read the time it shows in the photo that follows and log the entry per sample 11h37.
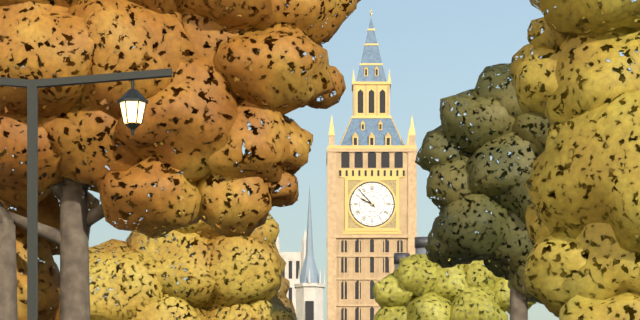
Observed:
9h53
